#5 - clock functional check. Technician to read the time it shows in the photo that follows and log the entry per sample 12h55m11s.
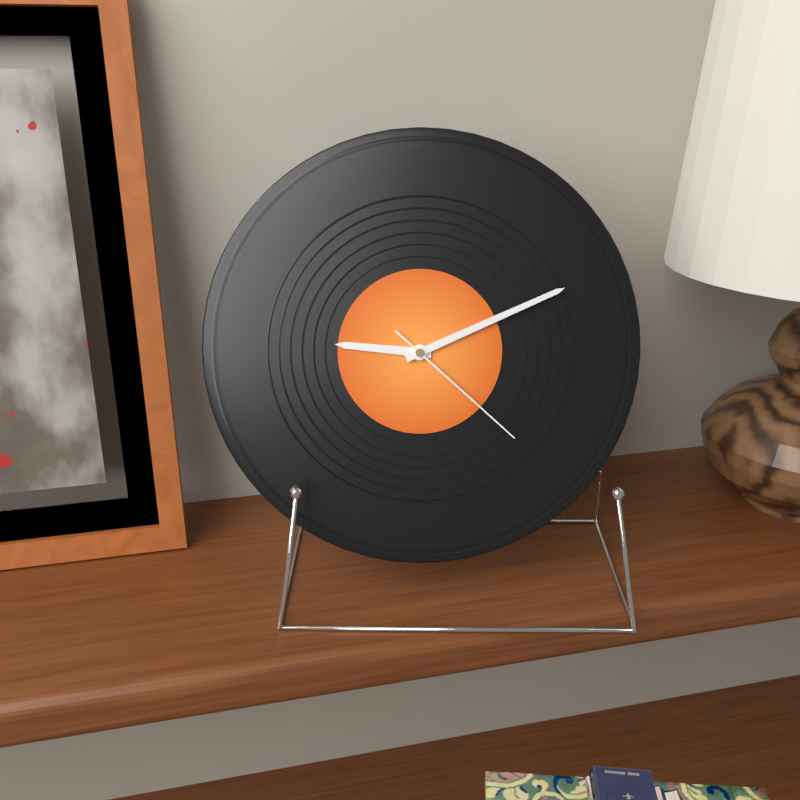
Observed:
9h11m22s
